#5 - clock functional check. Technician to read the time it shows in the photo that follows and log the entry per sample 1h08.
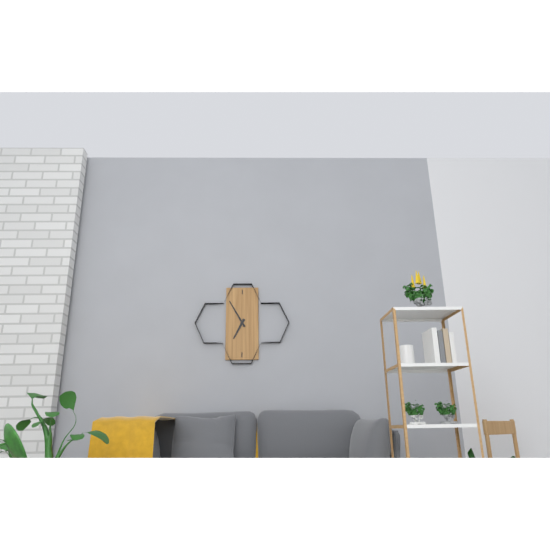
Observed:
6h55
